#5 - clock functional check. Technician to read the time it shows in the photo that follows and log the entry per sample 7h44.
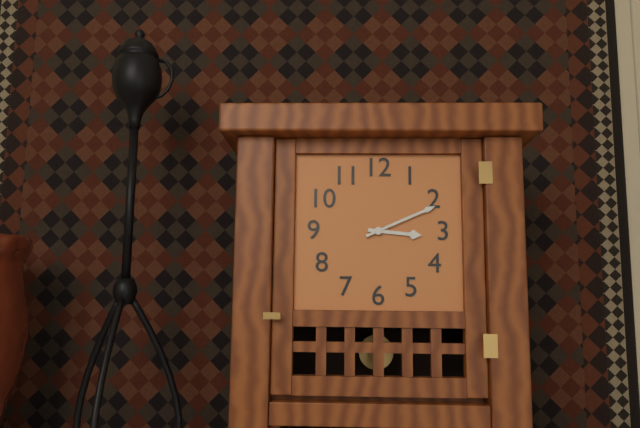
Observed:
3h11
